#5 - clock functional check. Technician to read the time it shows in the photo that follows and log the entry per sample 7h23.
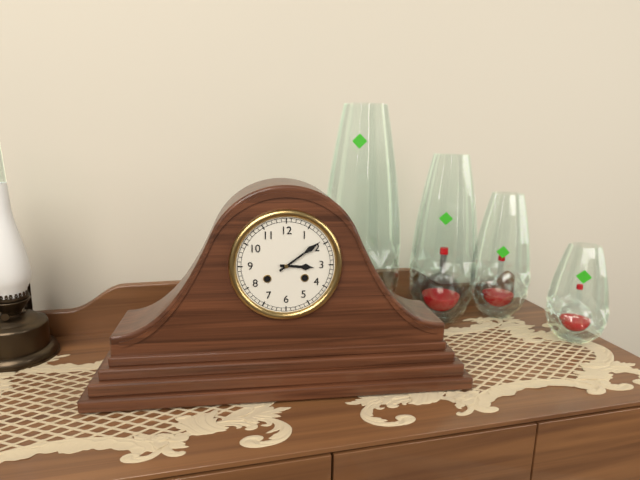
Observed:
3h09
